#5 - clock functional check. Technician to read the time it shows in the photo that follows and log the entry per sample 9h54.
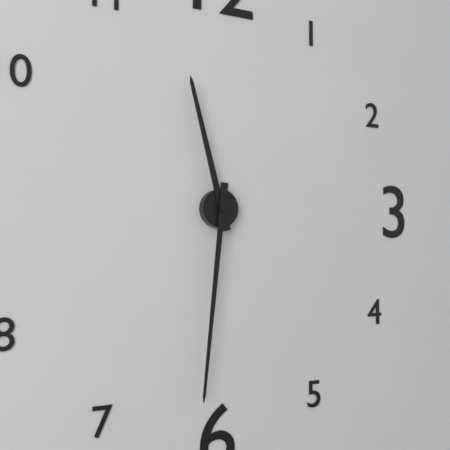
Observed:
11h31
